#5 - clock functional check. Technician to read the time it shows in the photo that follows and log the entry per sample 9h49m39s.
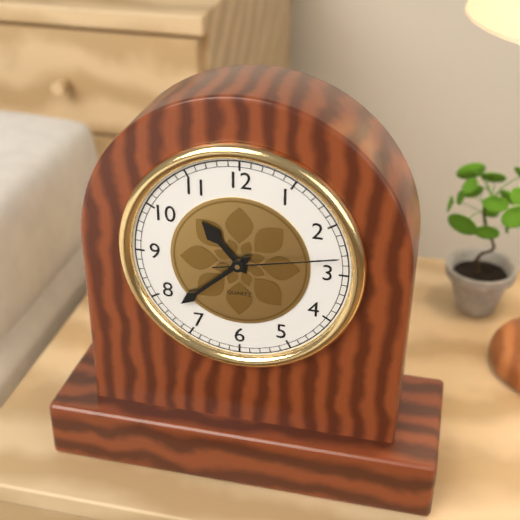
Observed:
10h38m13s
